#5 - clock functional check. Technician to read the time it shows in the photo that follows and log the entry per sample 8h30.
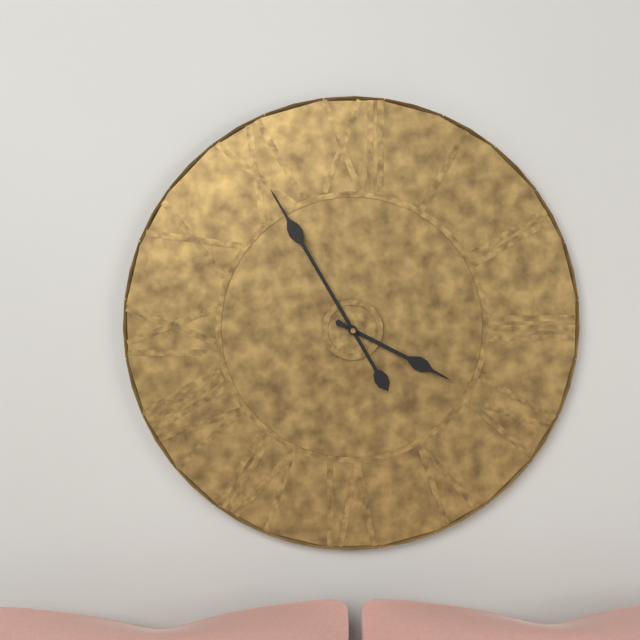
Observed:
3h55
